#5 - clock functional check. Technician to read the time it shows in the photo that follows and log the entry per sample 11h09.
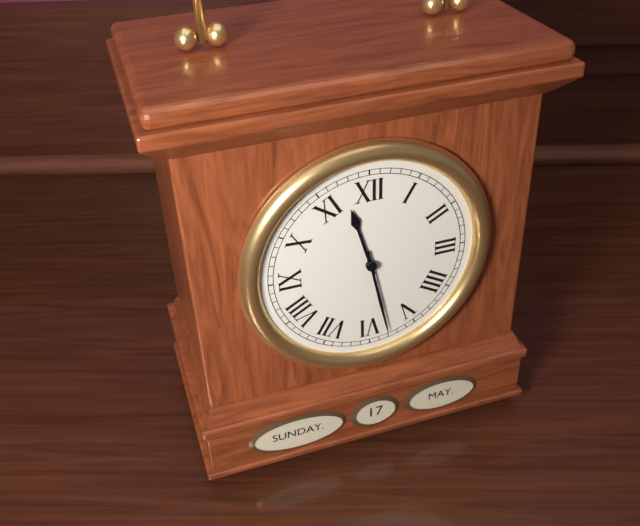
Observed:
11h28
